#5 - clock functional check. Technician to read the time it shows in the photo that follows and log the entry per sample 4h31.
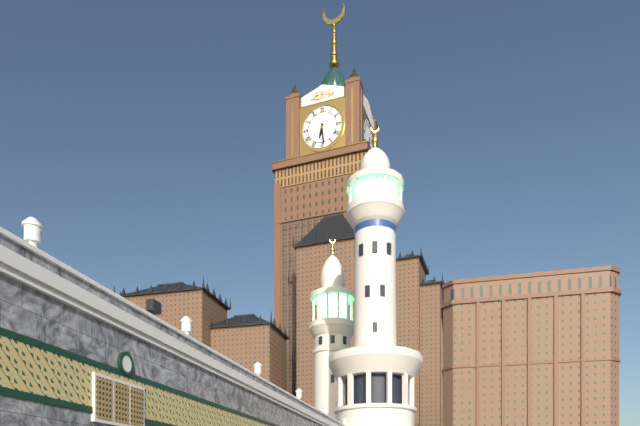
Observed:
6h29
